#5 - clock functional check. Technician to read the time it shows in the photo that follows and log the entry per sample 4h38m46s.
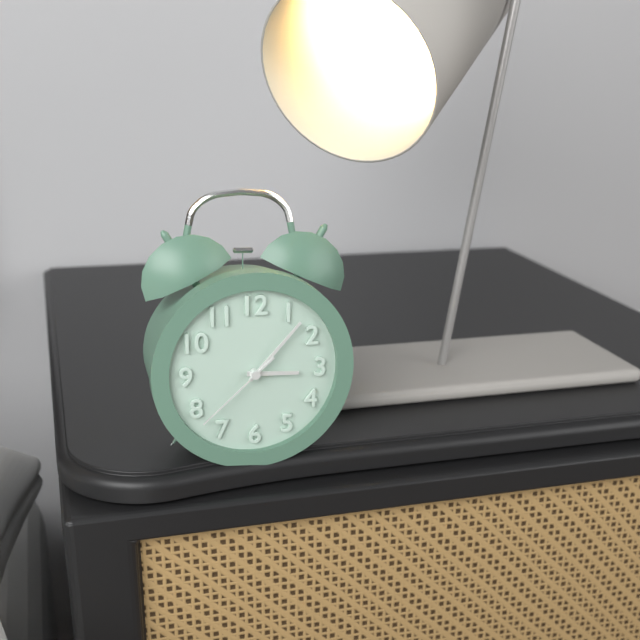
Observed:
3h07m38s
